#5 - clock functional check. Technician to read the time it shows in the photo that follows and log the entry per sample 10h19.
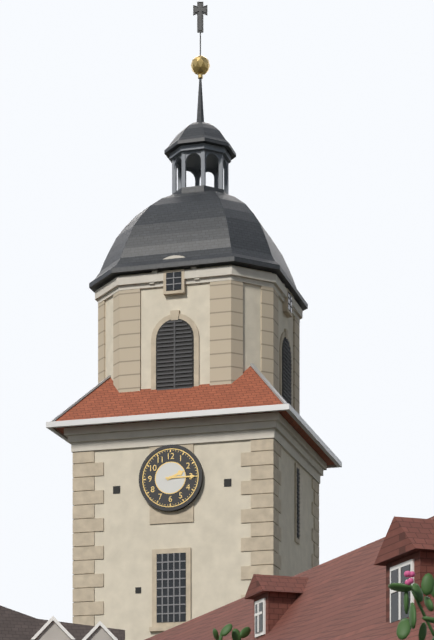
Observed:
2h15
